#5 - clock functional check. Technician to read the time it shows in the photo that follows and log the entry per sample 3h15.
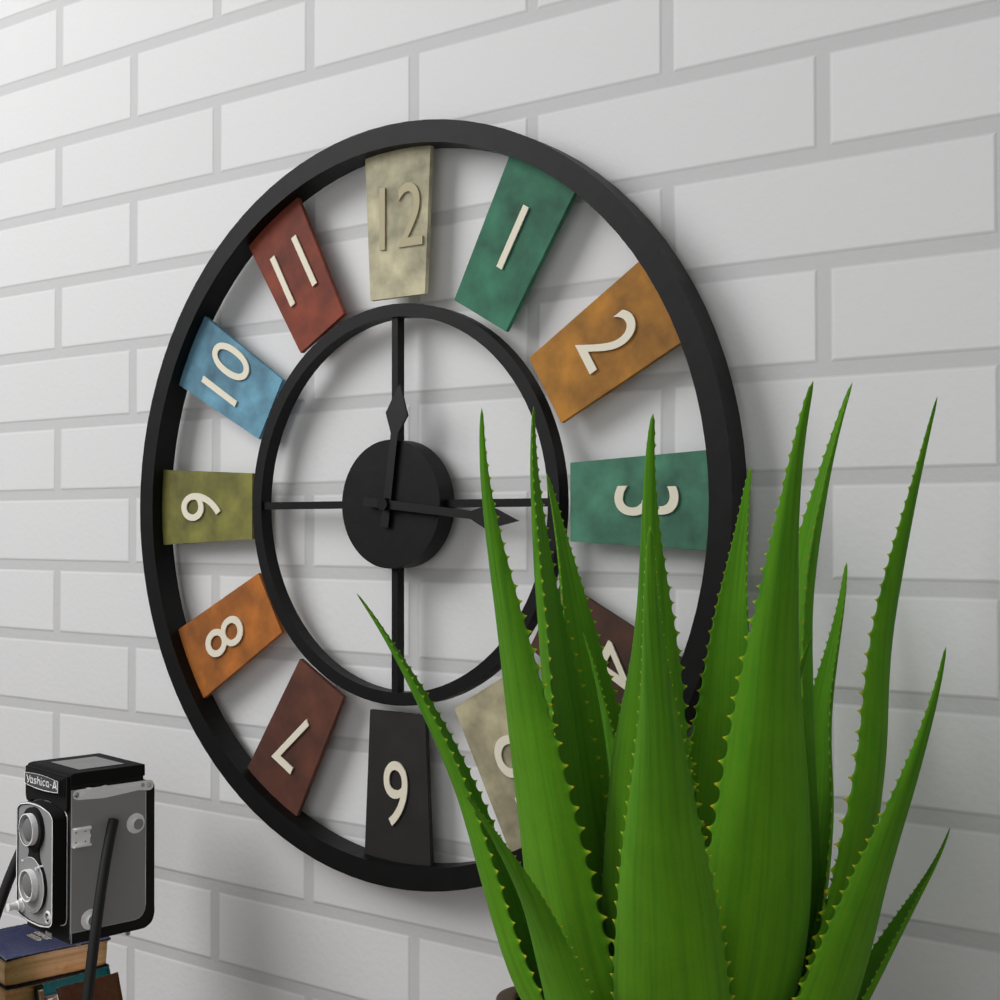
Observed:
12h16
